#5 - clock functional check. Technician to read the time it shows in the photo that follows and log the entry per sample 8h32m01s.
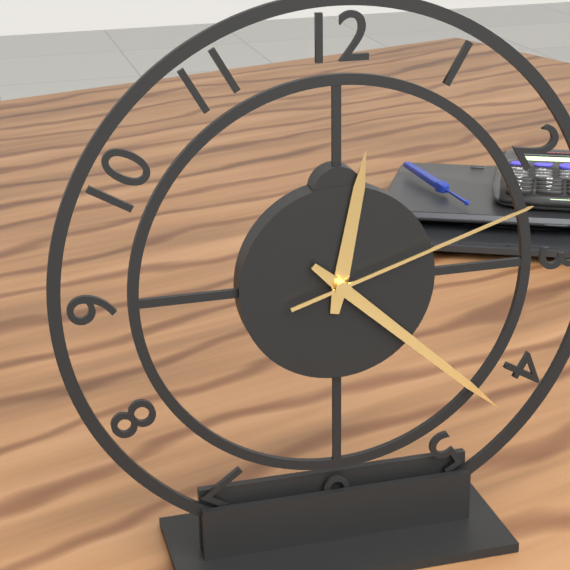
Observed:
12h22m12s
